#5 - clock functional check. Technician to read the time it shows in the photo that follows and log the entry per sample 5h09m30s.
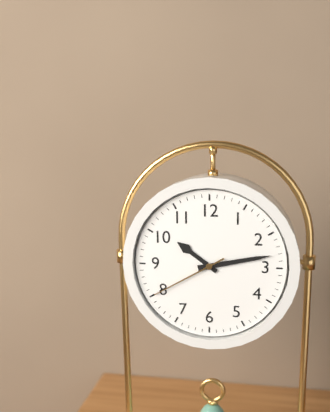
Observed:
10h13m40s
